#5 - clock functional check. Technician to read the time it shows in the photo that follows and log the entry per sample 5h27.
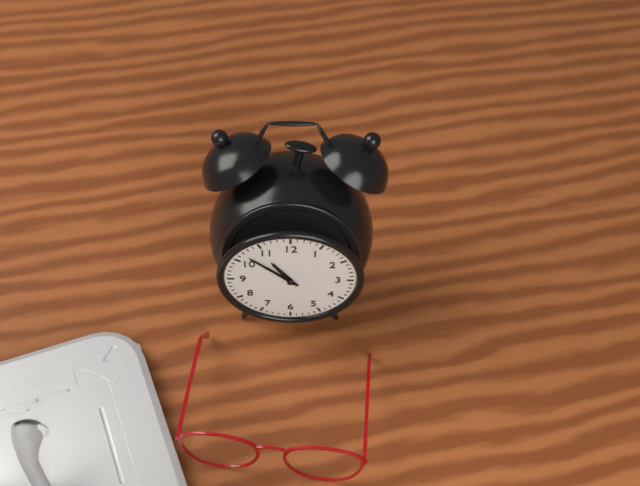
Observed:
10h52
